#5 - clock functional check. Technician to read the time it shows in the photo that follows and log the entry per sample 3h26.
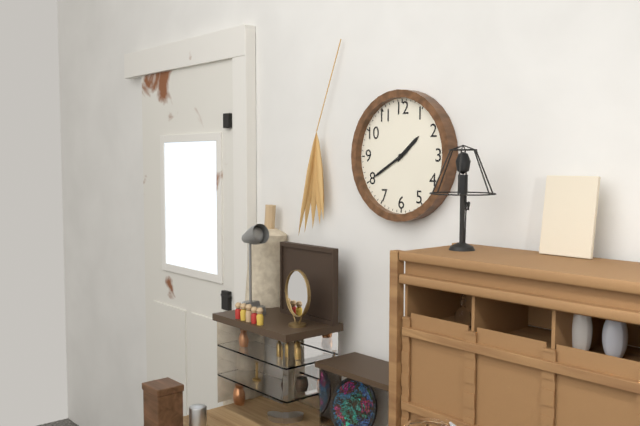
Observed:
1h40
